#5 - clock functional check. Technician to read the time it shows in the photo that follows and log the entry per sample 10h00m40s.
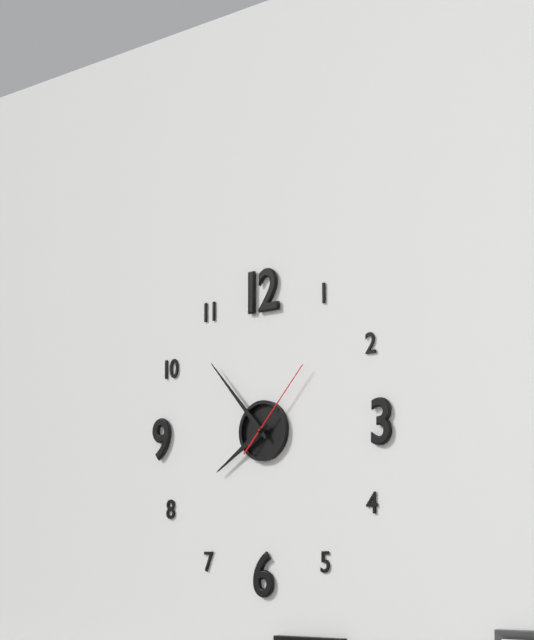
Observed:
7h53m07s
